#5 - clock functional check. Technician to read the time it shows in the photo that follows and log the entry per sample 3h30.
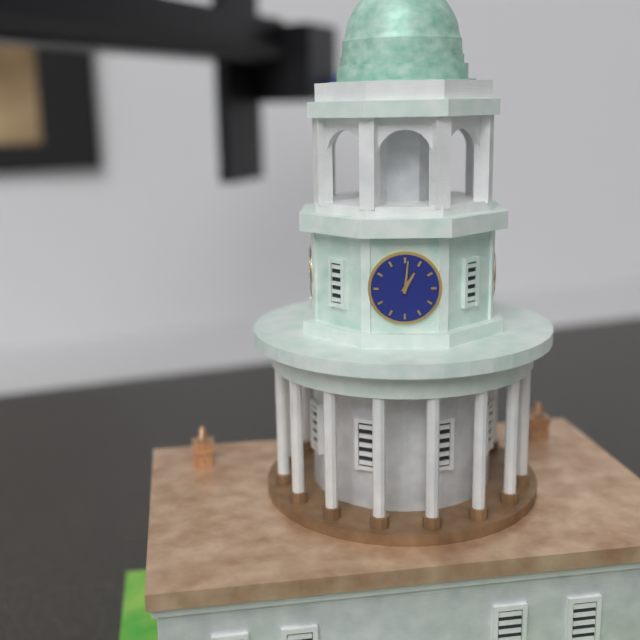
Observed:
1h01
